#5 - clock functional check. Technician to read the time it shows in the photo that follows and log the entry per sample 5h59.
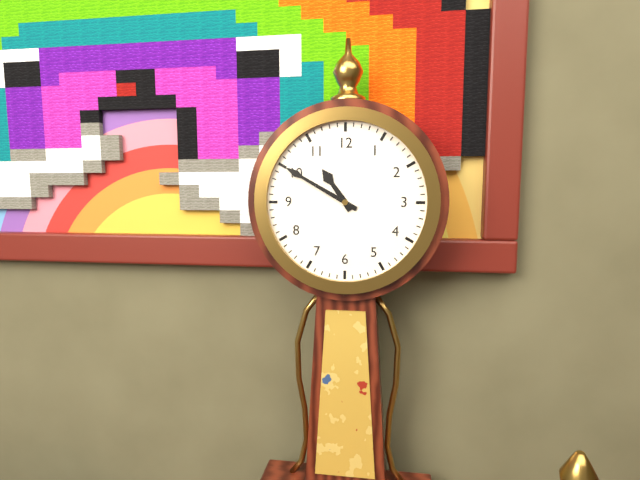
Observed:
10h50
